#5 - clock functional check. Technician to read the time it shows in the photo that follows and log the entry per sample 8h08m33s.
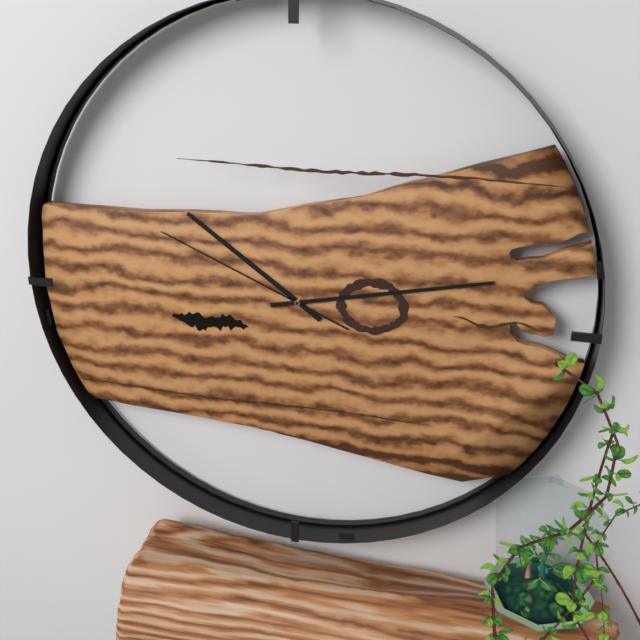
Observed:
10h13m49s
